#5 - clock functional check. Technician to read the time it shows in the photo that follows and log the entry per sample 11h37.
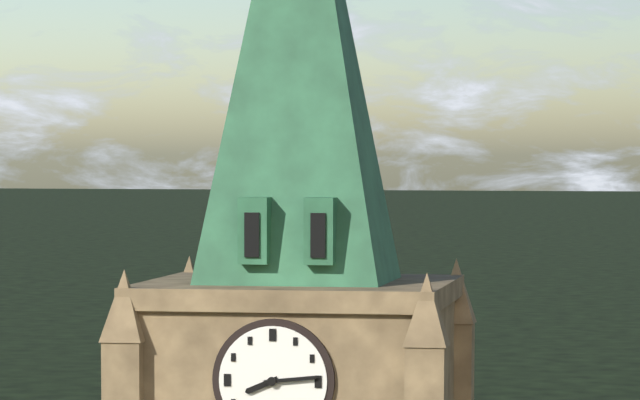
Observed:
8h14
